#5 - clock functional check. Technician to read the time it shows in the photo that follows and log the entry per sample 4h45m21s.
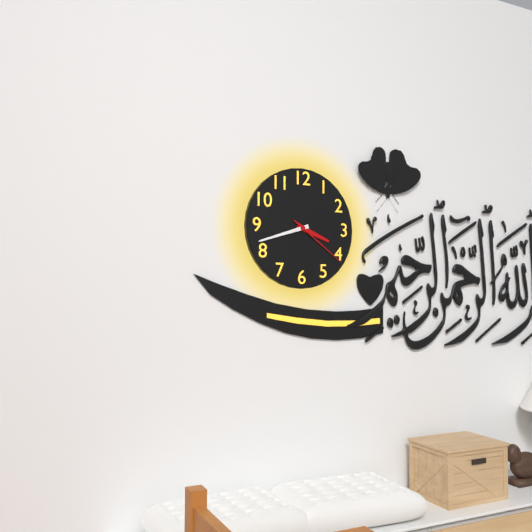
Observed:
3h42m21s
